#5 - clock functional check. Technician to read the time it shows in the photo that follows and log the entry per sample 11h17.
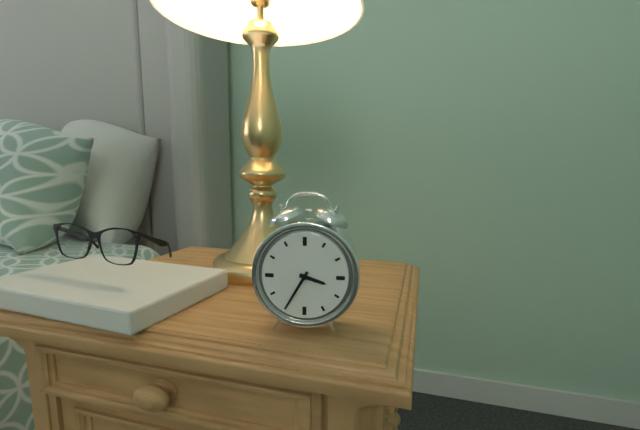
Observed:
3h35
